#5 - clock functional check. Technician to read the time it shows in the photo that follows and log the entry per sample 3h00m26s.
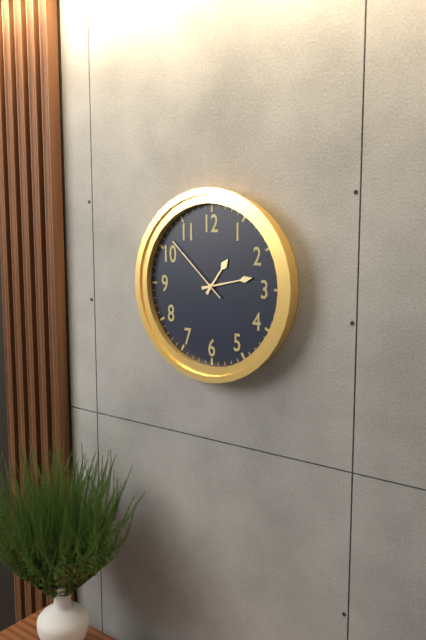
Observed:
1h13m52s
